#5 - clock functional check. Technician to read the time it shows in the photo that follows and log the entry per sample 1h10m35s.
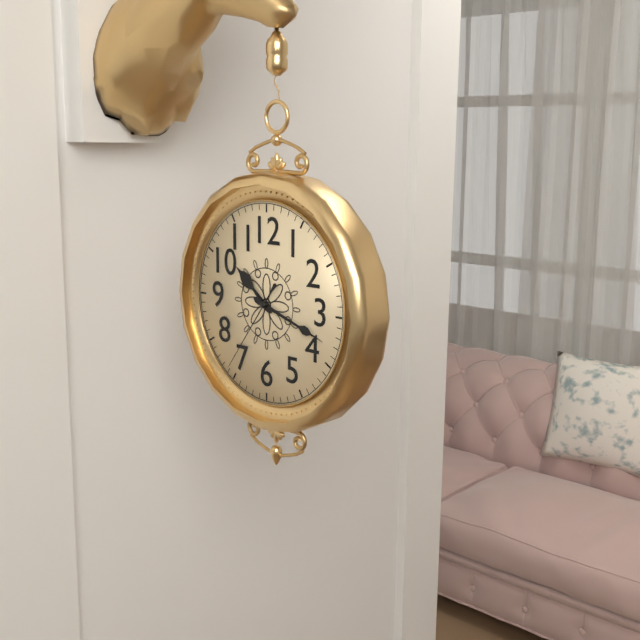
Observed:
10h18m36s
